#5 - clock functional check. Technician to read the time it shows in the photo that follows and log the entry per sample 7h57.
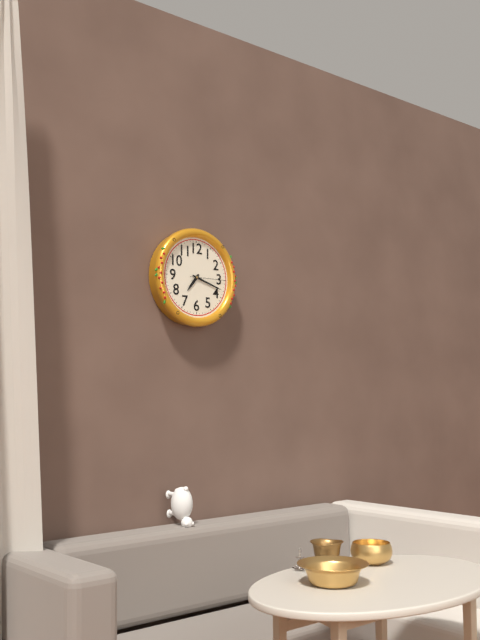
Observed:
7h18
